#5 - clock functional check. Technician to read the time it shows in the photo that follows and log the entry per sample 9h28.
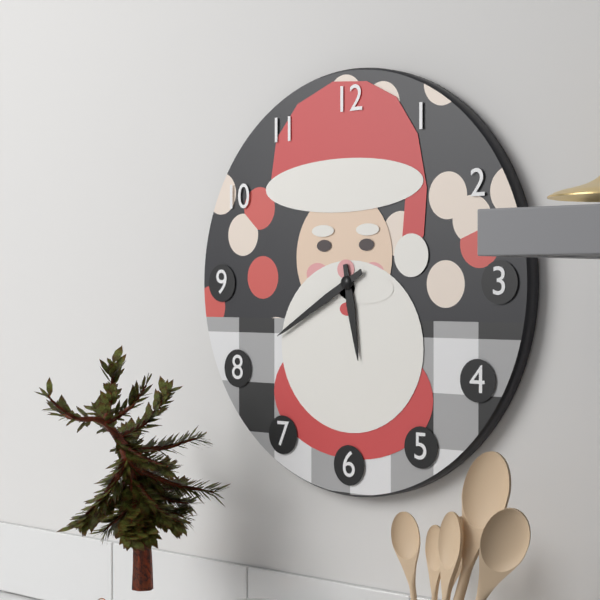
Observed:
5h40
